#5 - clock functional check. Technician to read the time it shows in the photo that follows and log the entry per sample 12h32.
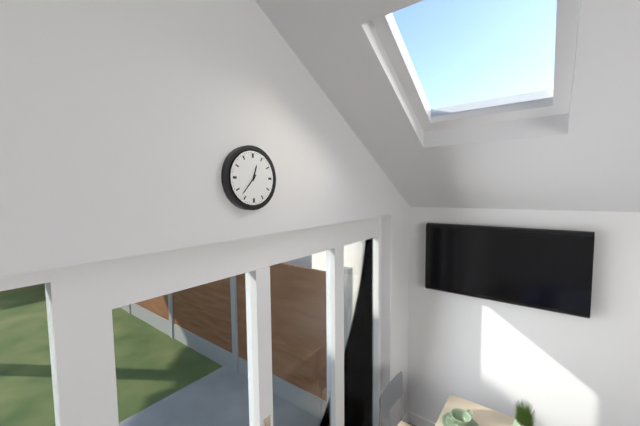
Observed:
12h37
